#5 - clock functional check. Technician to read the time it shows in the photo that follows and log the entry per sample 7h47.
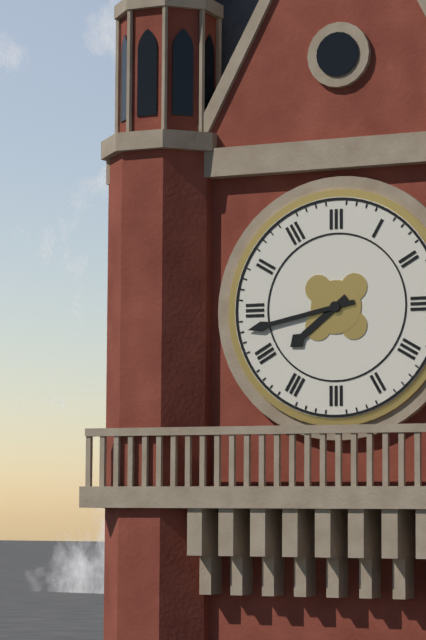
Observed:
7h43
